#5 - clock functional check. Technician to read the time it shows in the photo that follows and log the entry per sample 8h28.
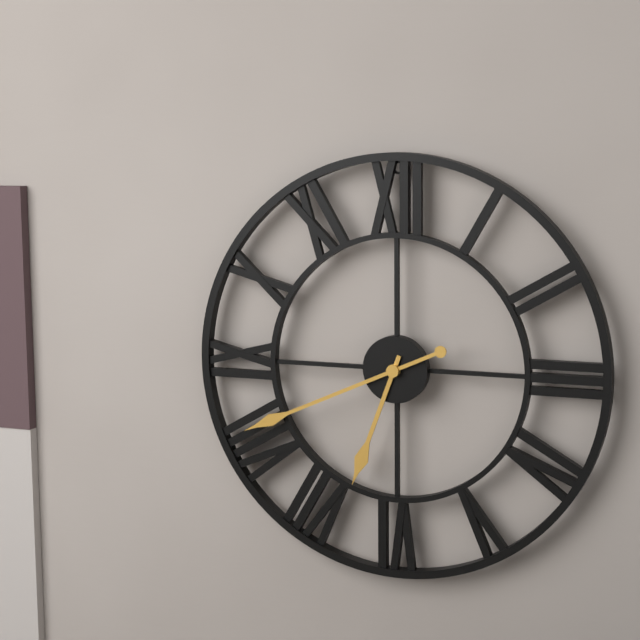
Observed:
6h41
